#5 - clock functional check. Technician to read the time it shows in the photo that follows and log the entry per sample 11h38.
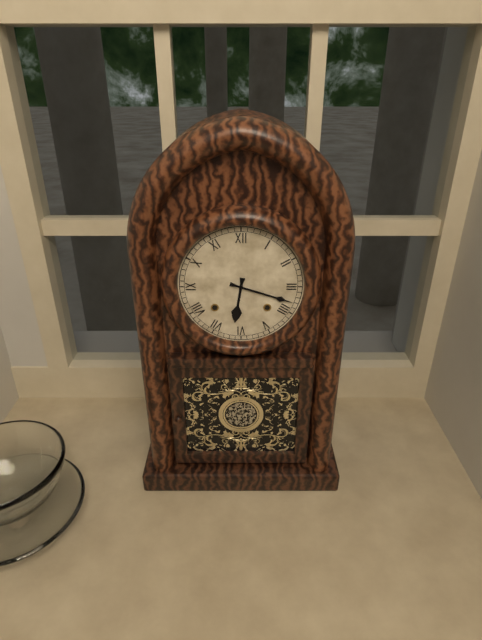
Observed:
6h18
